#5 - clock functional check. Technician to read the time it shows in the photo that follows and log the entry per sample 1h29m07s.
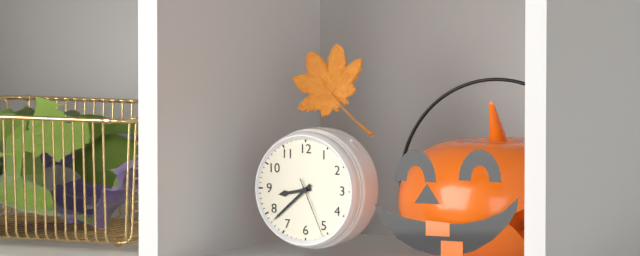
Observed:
8h38m26s
